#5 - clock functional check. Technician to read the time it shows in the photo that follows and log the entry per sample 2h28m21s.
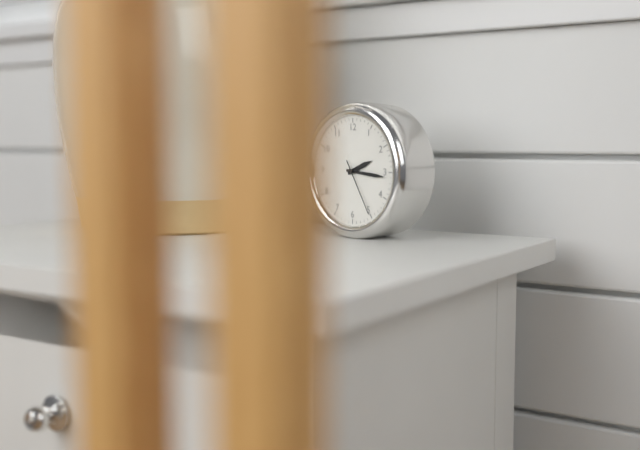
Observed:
2h16m25s
